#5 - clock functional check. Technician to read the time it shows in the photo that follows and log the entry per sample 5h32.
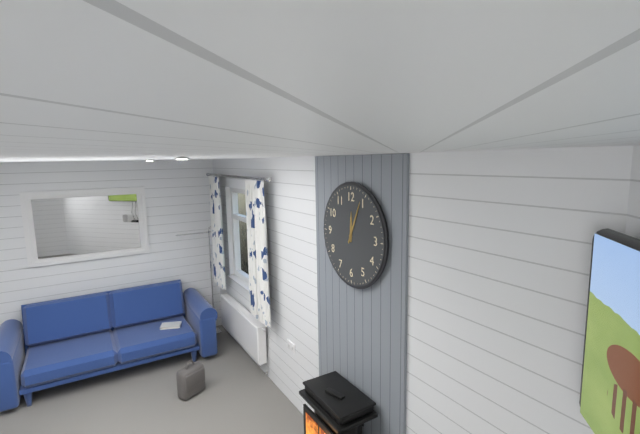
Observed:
12h04
